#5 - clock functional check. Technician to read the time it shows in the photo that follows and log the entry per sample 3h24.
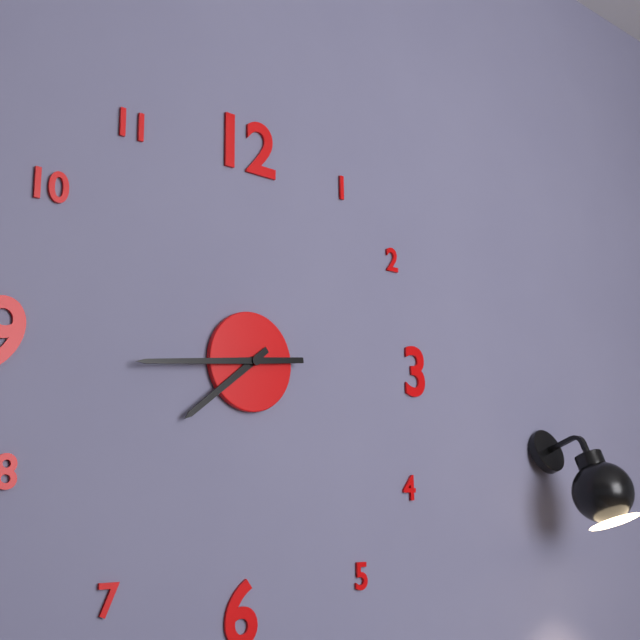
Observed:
7h44
